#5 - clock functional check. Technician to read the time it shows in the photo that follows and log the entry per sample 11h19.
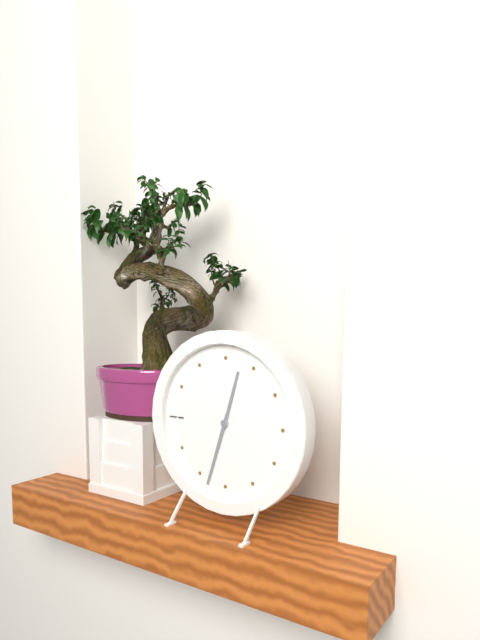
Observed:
12h33
